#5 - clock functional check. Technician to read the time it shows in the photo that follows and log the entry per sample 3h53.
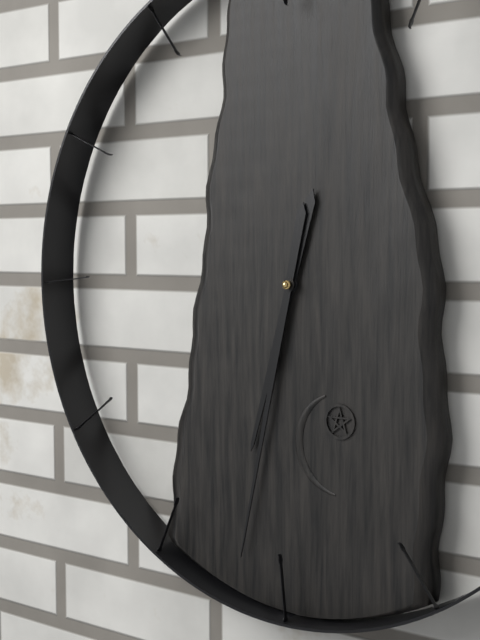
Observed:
6h32
